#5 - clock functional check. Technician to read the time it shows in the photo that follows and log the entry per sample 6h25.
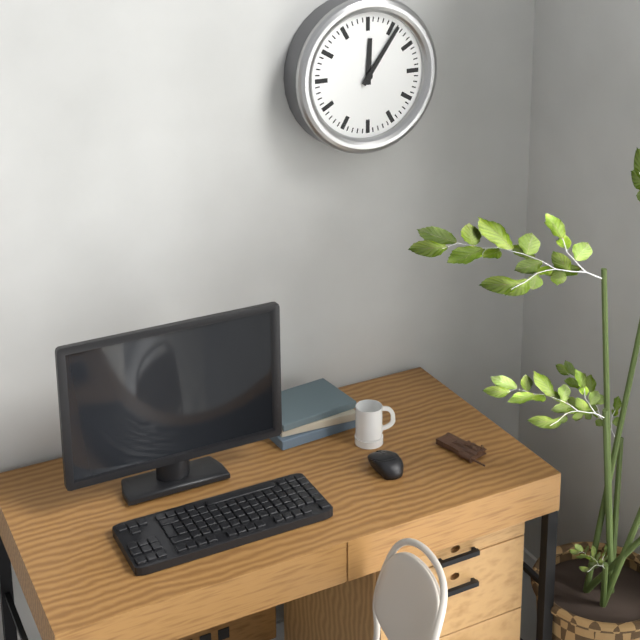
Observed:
12h06
